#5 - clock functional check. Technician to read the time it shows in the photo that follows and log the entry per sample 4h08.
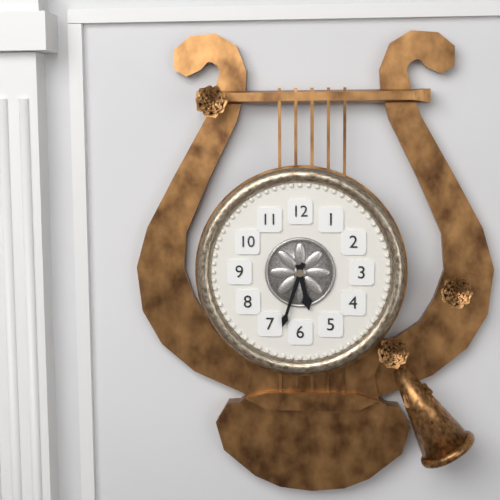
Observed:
5h33
